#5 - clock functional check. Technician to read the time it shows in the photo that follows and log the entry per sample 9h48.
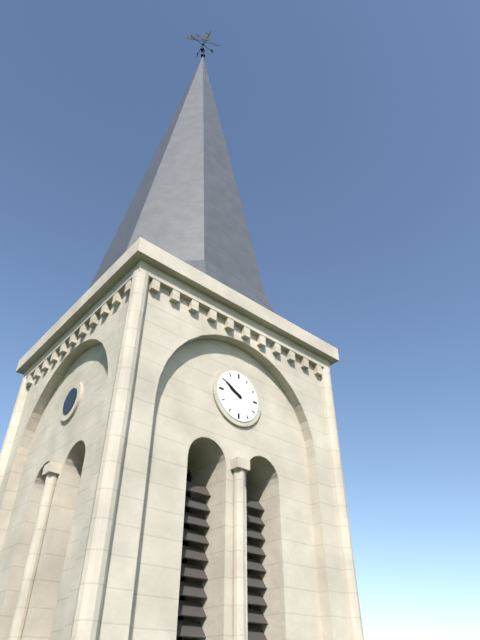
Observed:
9h50
